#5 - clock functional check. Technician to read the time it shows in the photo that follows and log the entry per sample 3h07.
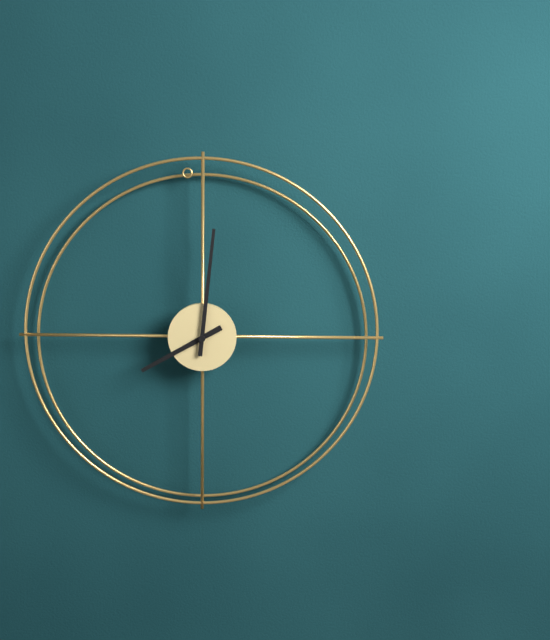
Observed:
8h01
